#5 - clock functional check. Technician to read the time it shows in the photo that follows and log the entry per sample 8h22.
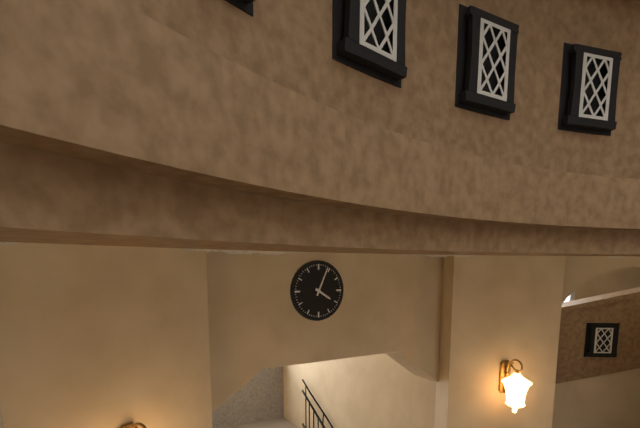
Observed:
4h04
